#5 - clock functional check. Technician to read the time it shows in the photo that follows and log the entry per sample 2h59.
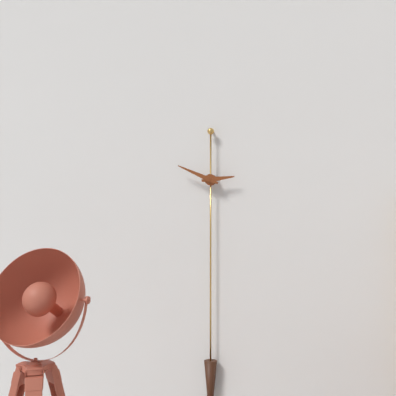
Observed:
2h49
